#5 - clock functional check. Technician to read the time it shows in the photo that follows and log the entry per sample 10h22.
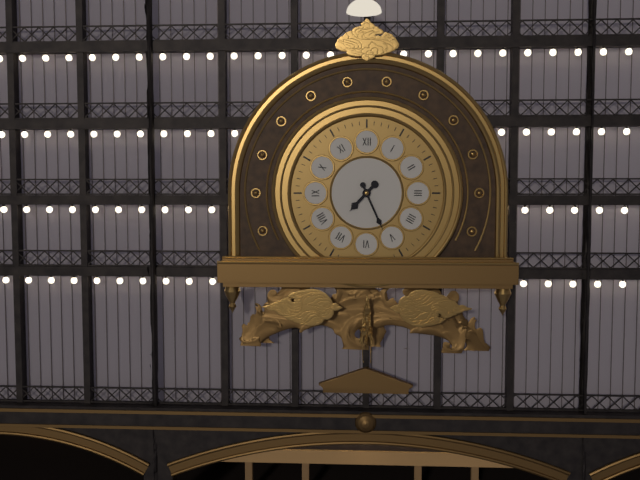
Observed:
7h26
